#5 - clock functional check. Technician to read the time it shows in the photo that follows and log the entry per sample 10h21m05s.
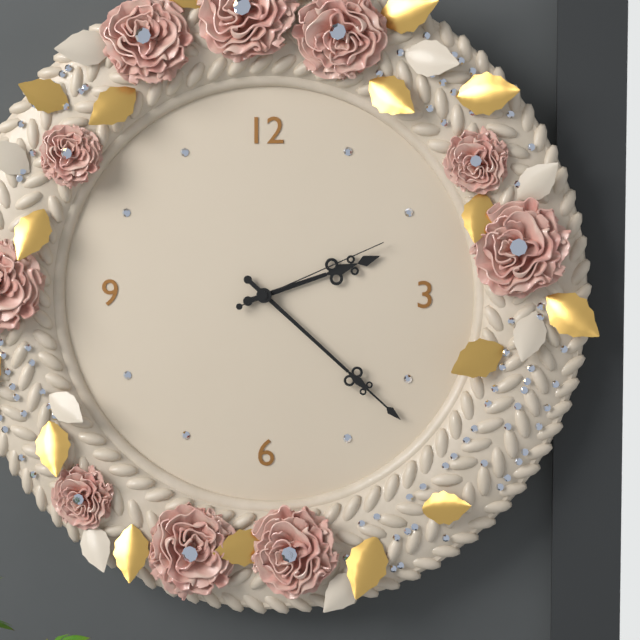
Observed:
2h22m11s
